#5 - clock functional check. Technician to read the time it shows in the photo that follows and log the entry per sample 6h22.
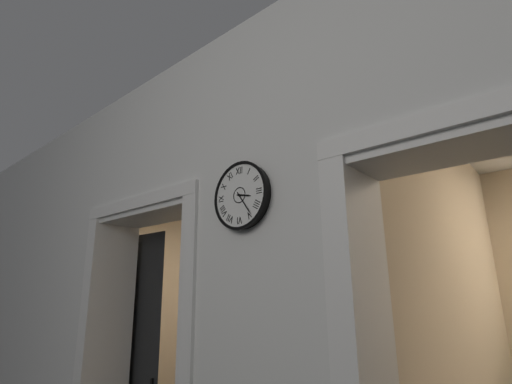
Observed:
3h24
